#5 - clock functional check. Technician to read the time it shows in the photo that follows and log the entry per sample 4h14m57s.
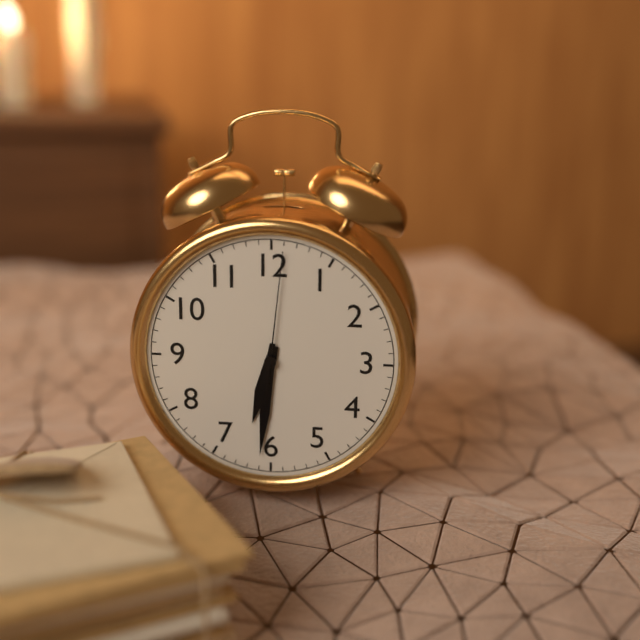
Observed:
6h31m01s
